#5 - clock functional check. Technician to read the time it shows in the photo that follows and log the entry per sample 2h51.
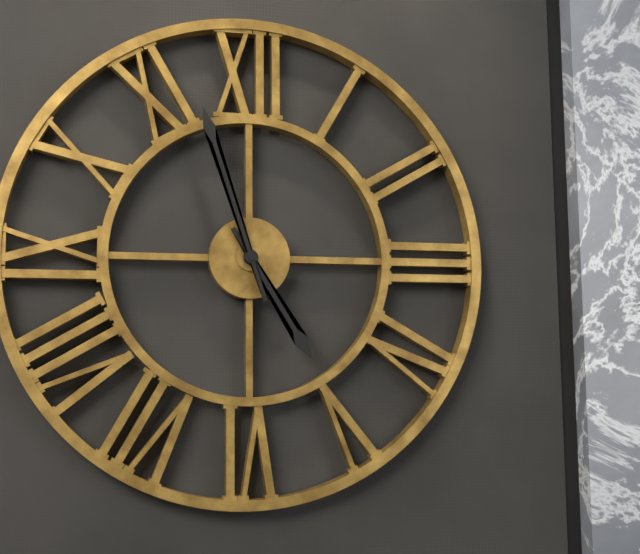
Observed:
4h57
